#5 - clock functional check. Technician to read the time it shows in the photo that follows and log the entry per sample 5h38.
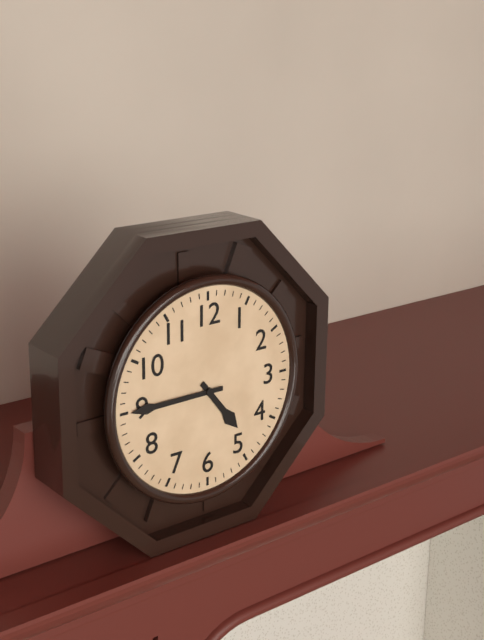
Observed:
4h45
